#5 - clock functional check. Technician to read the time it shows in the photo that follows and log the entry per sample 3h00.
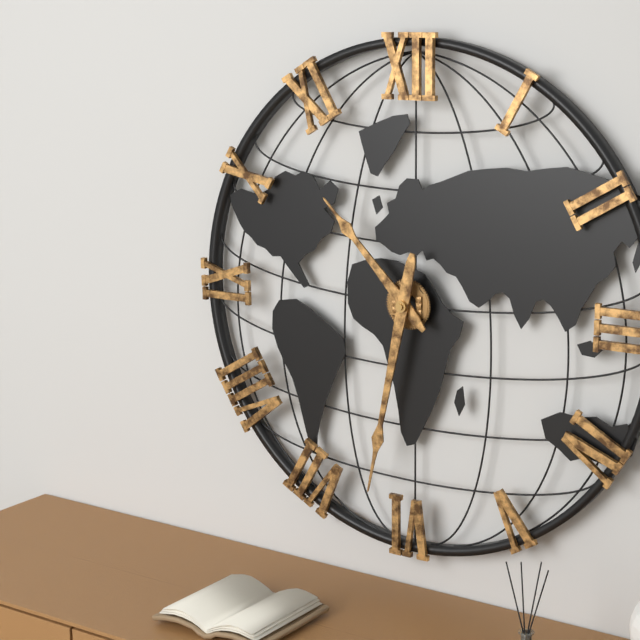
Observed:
10h32
